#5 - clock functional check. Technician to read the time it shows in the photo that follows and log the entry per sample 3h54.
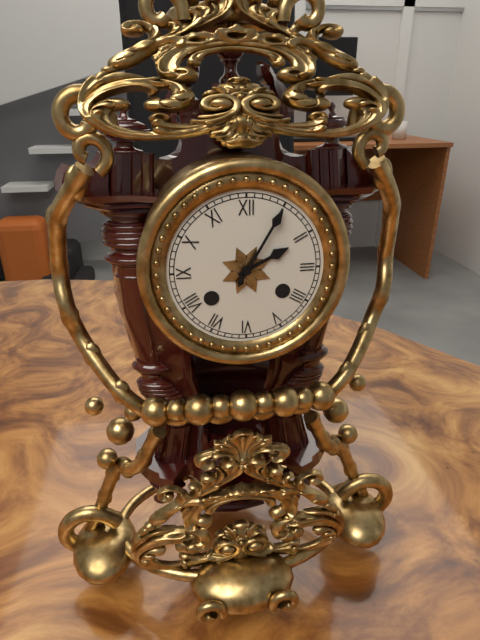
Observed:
2h05
